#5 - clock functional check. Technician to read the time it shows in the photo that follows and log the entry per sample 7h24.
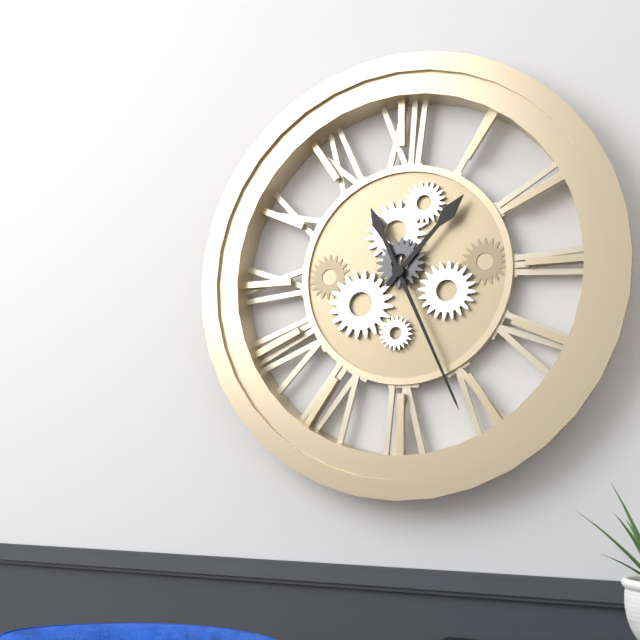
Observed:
1h26
